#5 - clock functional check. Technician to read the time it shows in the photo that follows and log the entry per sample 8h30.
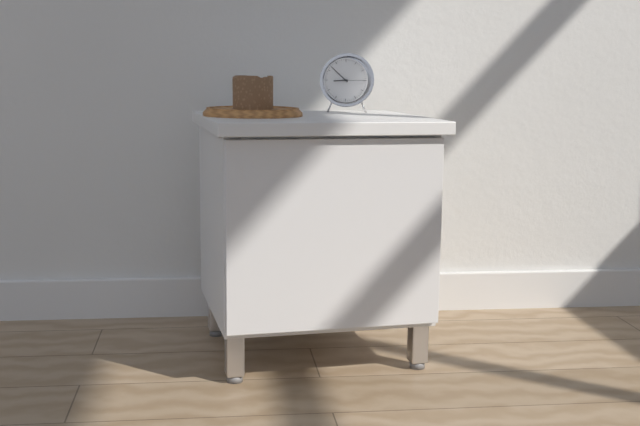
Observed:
8h52
